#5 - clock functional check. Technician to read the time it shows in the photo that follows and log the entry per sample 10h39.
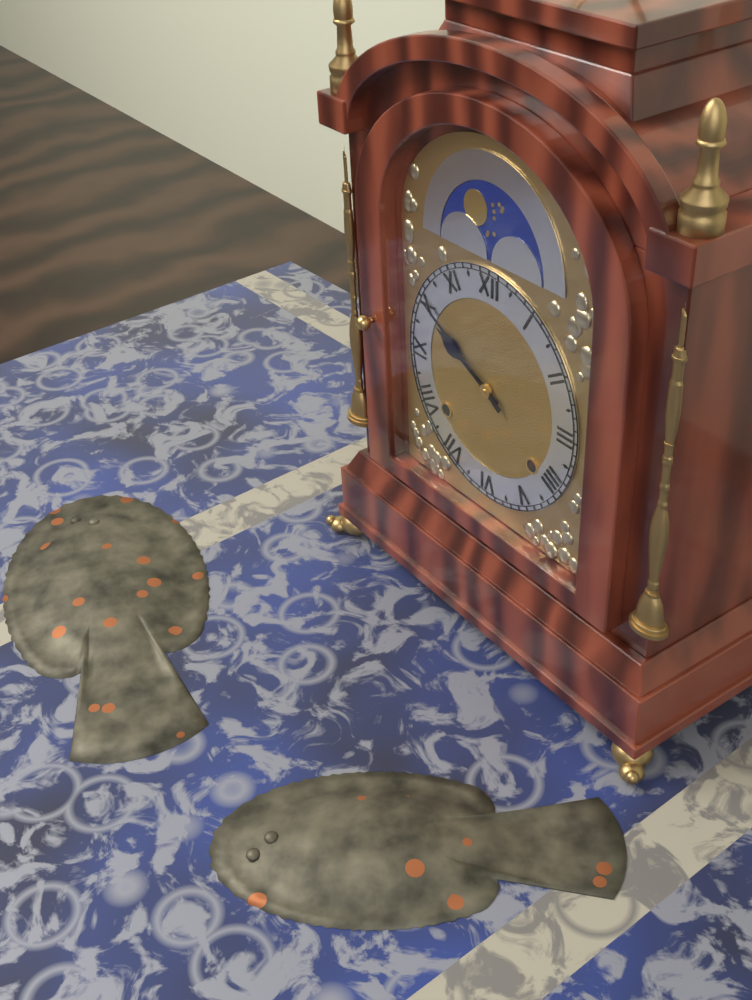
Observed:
9h50
